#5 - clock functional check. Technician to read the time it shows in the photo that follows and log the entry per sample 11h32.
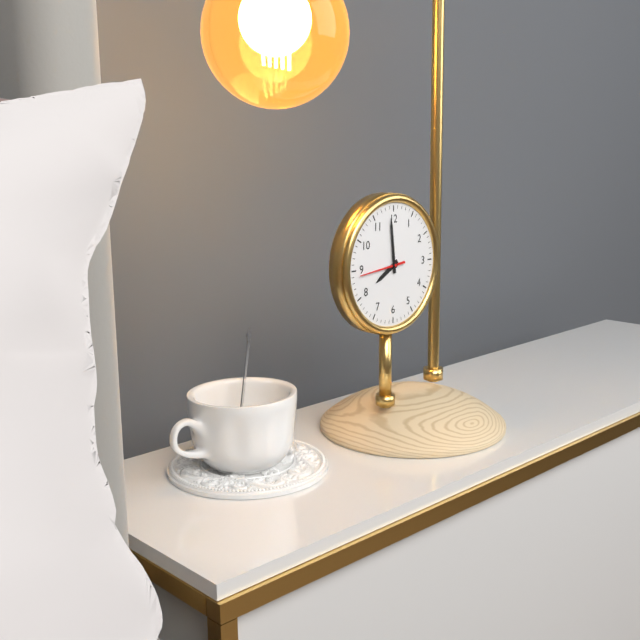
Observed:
7h59
